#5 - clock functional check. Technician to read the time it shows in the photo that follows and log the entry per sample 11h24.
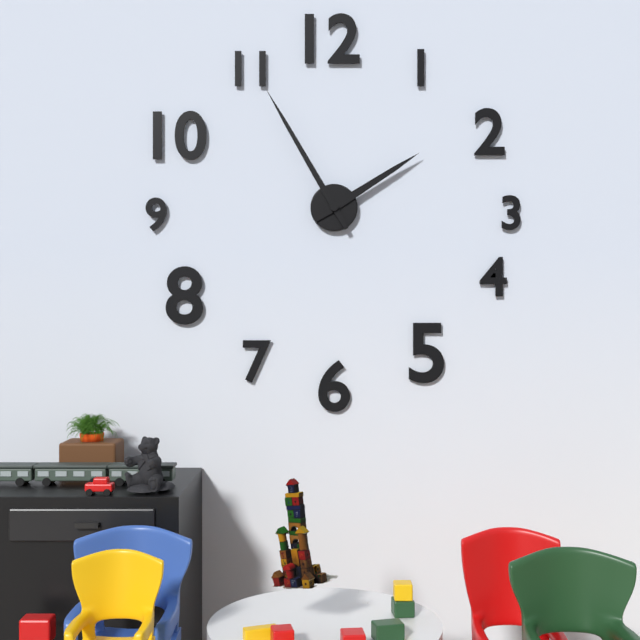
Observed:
1h55
